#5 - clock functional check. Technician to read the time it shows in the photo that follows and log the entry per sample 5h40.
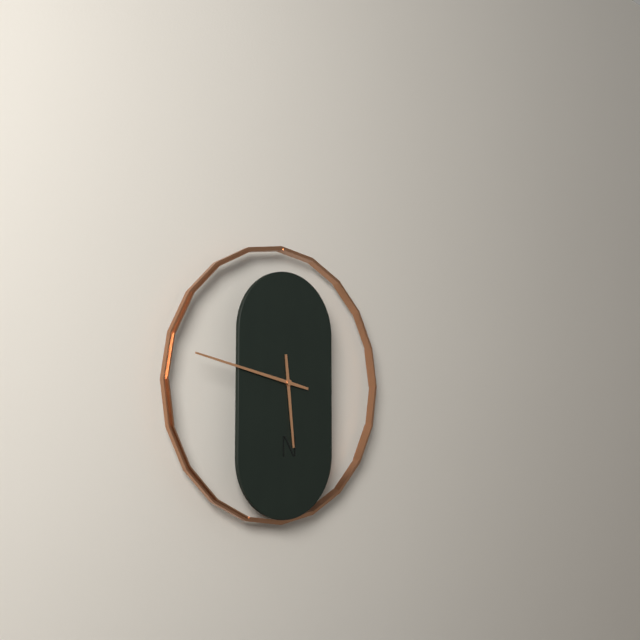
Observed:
5h47
